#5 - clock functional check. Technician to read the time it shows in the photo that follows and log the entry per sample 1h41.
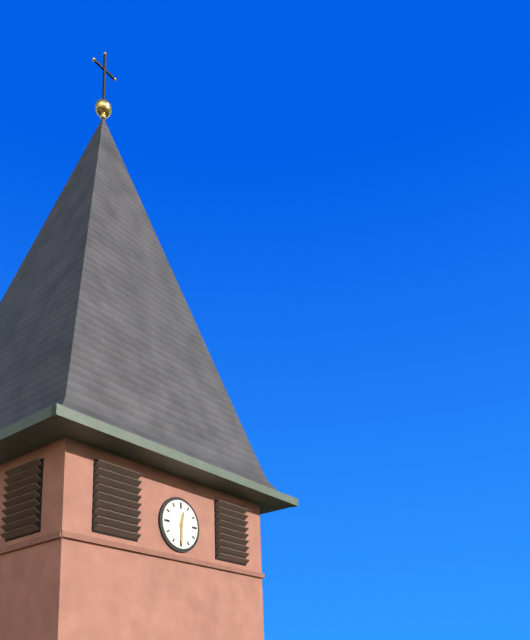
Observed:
12h30
